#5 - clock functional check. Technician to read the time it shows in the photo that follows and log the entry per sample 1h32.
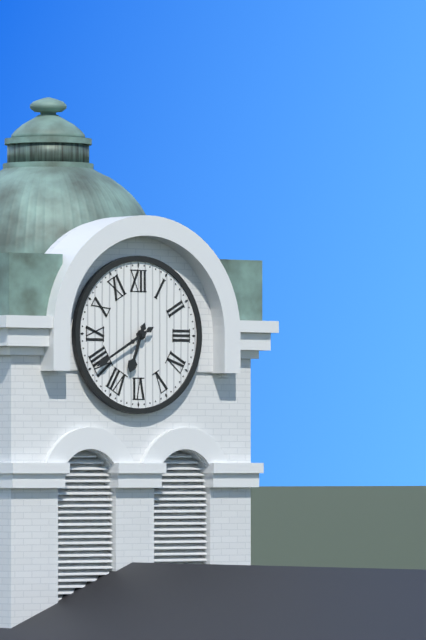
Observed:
6h40
